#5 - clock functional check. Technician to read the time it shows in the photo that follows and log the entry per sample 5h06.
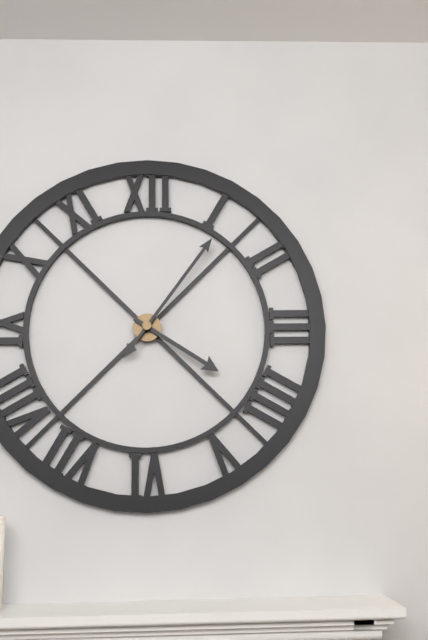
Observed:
4h06
